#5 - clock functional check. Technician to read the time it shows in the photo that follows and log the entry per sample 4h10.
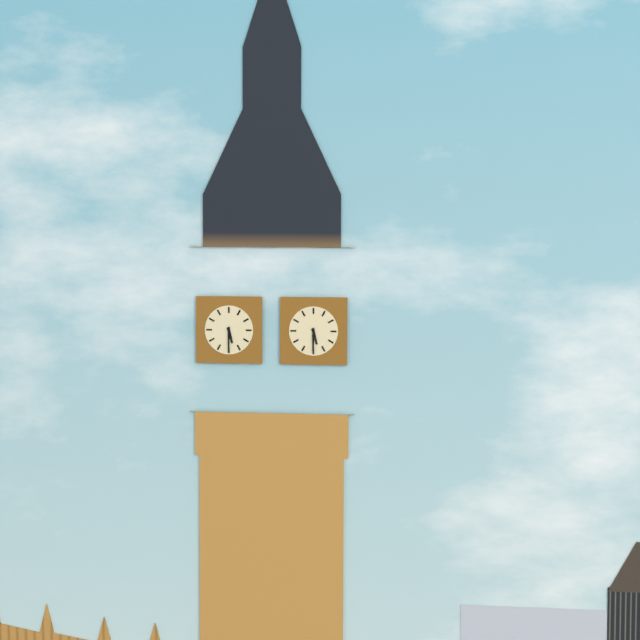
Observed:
5h30
